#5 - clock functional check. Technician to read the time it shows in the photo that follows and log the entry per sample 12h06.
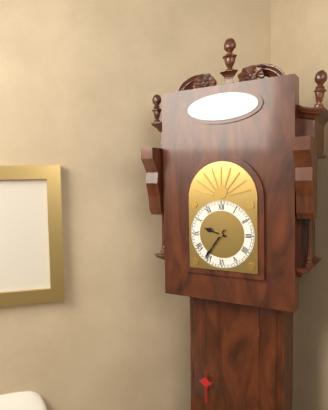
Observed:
9h36
